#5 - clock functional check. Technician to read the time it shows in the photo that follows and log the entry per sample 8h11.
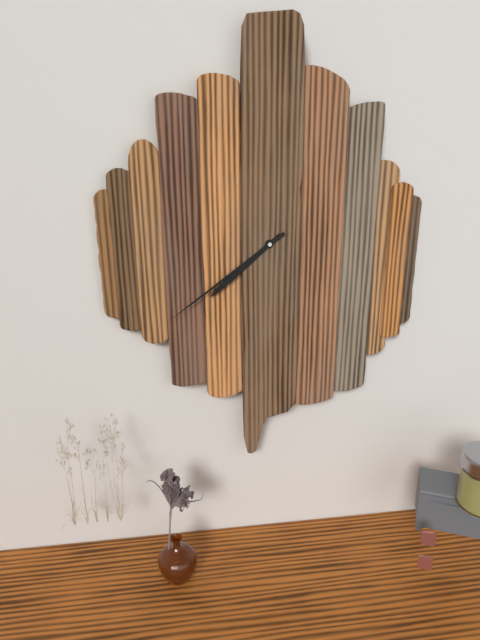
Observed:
7h39
